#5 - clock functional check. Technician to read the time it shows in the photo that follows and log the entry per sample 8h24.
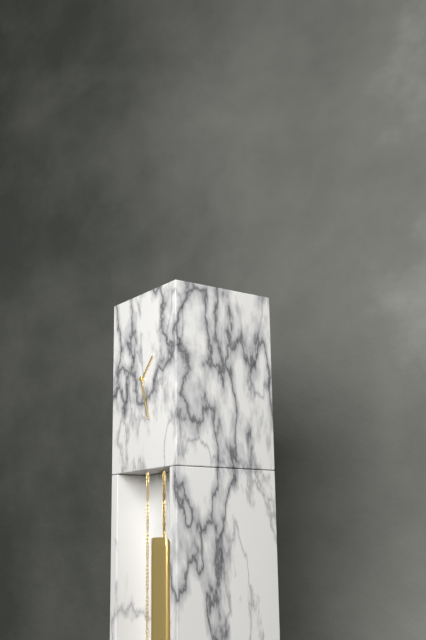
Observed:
1h27
